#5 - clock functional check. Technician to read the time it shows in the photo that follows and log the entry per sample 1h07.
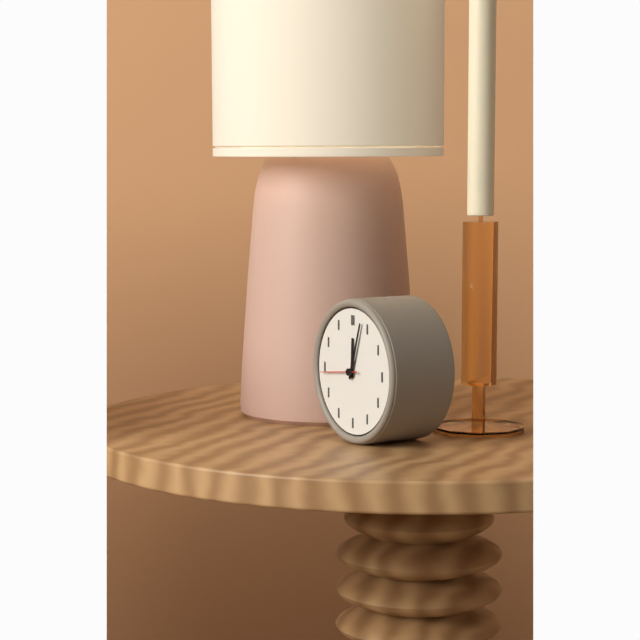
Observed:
12h03
